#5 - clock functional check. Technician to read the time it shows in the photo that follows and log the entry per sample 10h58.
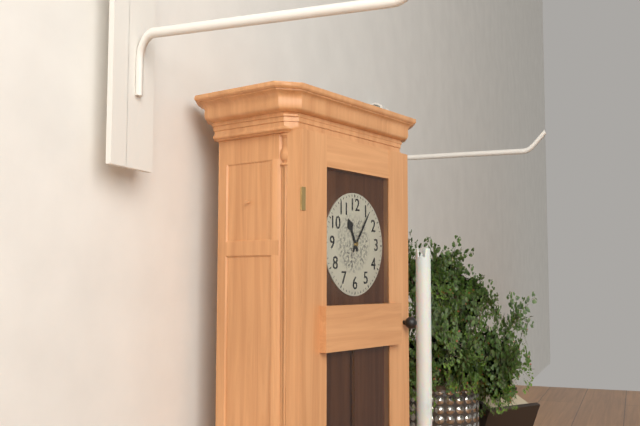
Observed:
11h06
